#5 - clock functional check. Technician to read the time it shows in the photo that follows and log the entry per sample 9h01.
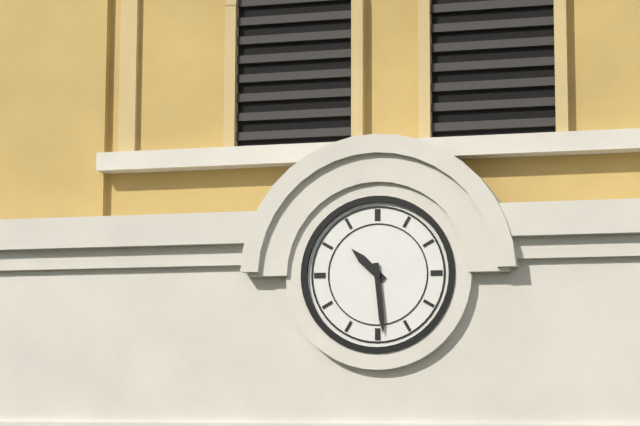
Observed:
10h29
